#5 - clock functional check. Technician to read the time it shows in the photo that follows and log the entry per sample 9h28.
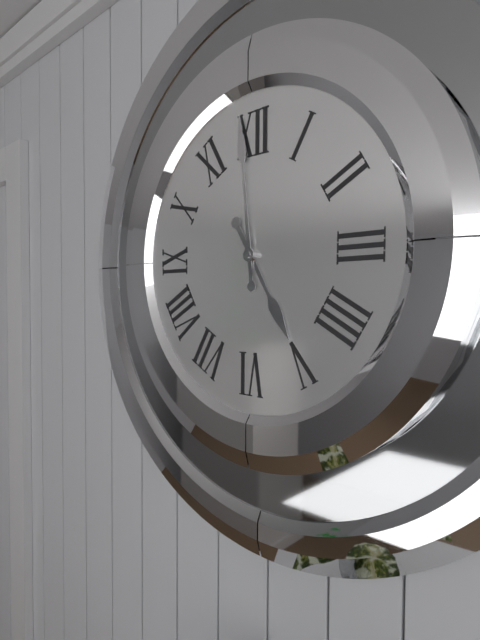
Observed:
4h59
